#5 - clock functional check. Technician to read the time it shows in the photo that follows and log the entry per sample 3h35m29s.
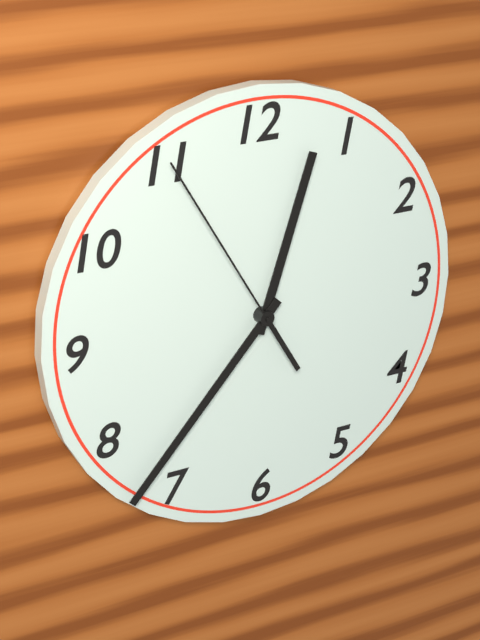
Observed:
12h37m55s
